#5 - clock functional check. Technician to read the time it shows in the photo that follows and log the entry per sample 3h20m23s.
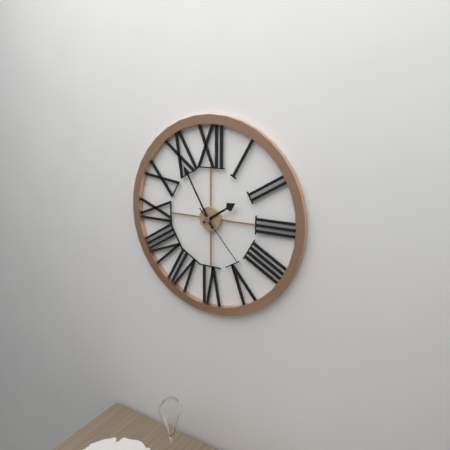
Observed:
1h55m23s
